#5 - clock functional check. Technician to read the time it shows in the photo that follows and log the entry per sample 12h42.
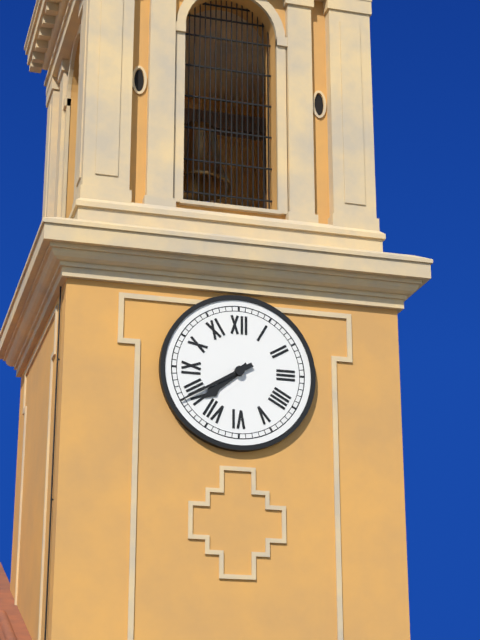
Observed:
7h40
